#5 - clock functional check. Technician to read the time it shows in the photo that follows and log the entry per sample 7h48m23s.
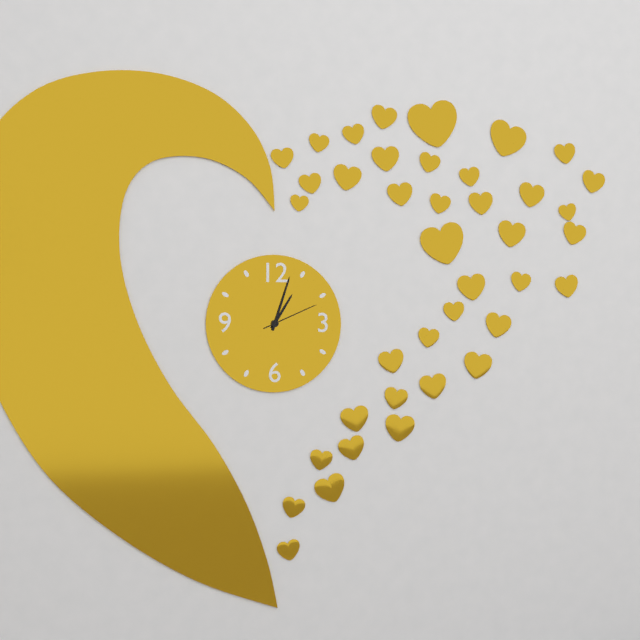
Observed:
1h03m11s
